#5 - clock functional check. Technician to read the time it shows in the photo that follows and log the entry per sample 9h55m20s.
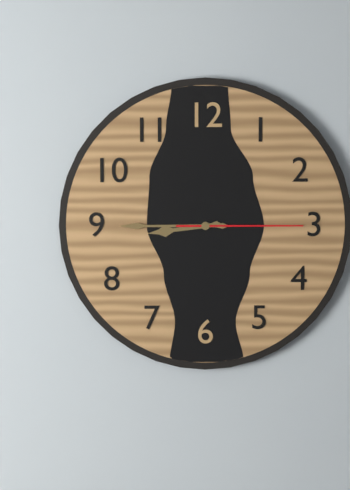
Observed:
8h45m15s
